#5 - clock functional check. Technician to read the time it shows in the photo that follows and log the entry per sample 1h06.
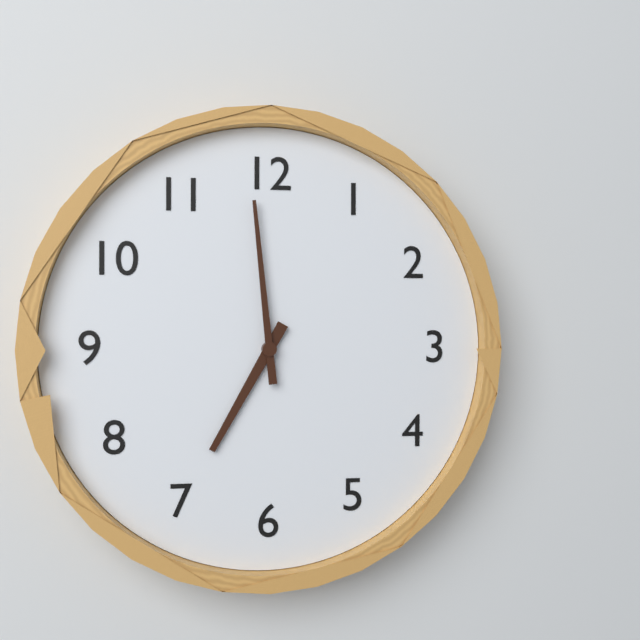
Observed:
6h59
